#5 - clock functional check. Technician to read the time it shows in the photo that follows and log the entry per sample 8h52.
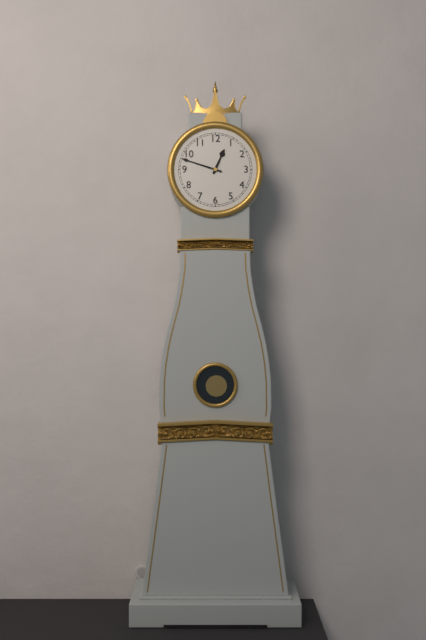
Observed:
12h48
